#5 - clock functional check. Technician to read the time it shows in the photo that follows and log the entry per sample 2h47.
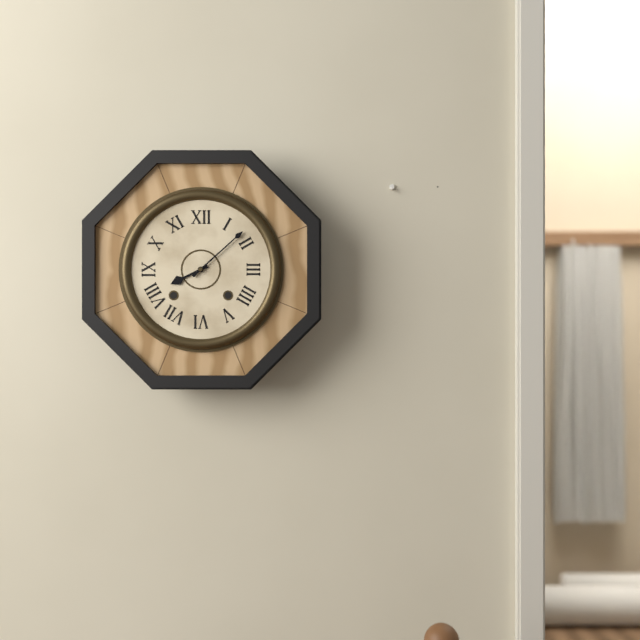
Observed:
8h08
